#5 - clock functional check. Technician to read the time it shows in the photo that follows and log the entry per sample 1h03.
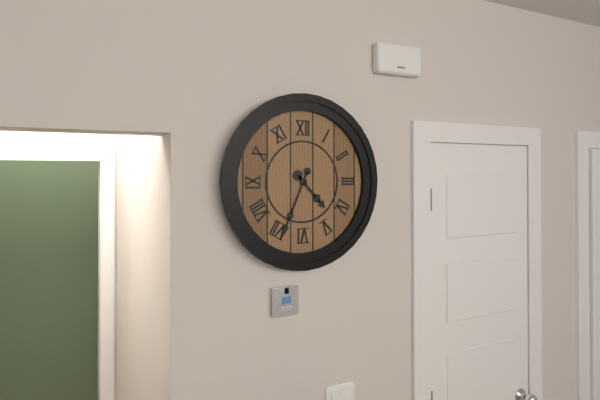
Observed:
4h34
